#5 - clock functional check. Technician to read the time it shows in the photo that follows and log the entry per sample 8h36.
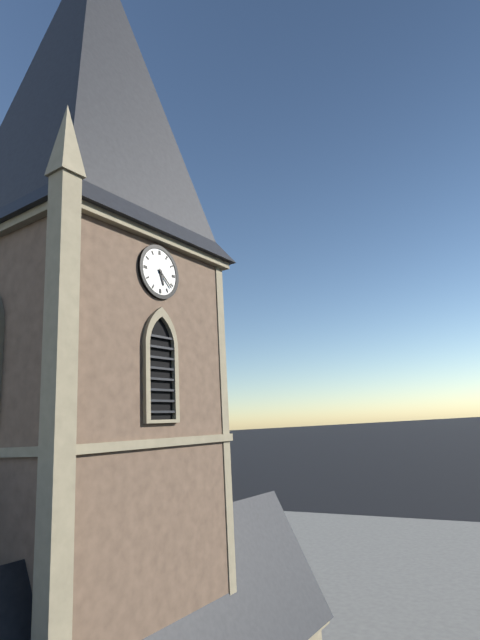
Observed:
5h22
